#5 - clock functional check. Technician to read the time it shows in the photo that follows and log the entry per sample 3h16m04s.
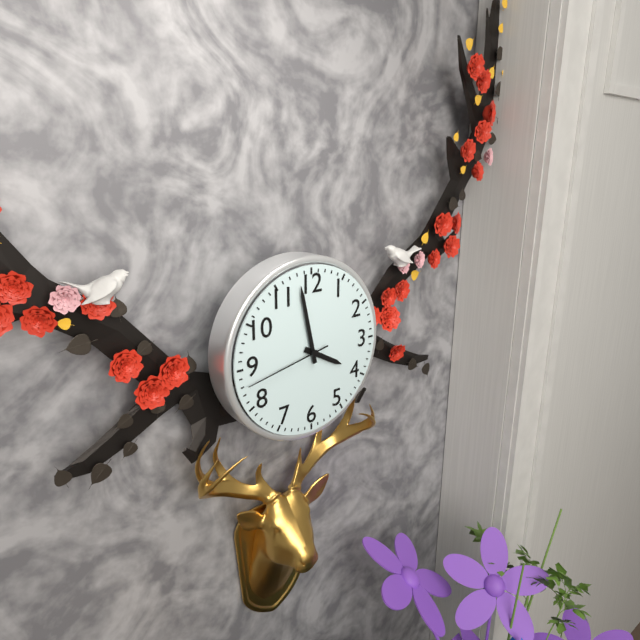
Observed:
3h58m43s
